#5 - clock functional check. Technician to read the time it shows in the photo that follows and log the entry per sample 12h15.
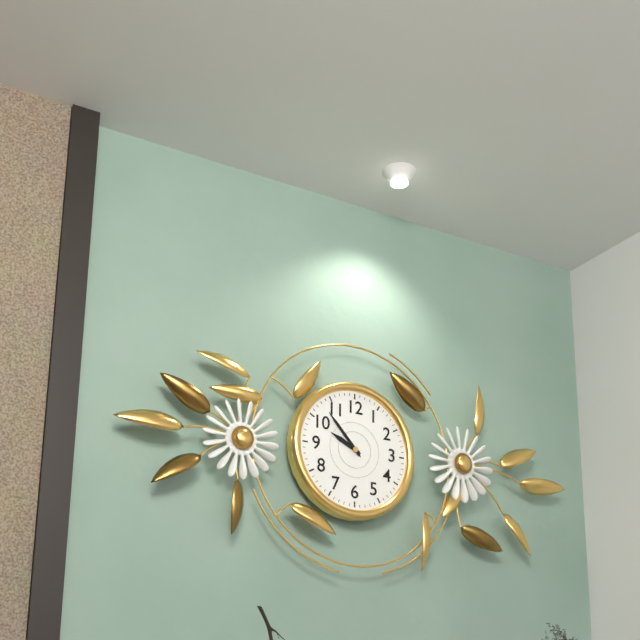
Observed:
9h53
